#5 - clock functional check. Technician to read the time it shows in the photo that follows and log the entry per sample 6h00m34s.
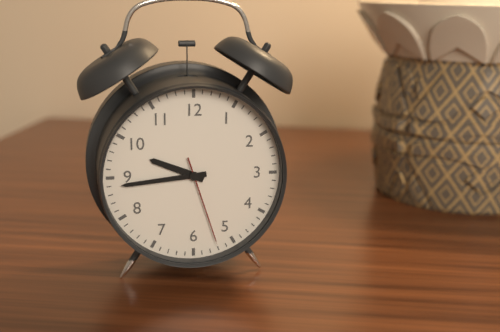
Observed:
9h44m27s
